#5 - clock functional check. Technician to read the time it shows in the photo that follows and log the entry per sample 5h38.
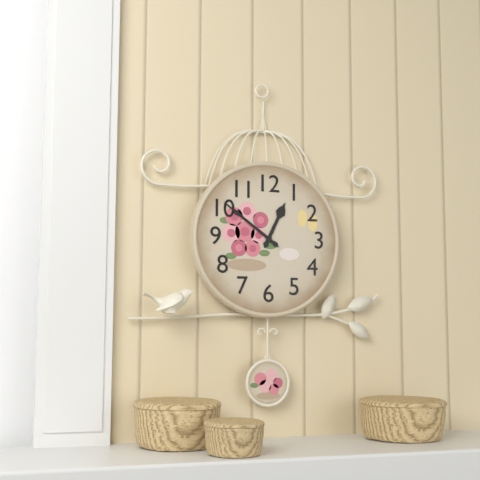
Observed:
12h51
